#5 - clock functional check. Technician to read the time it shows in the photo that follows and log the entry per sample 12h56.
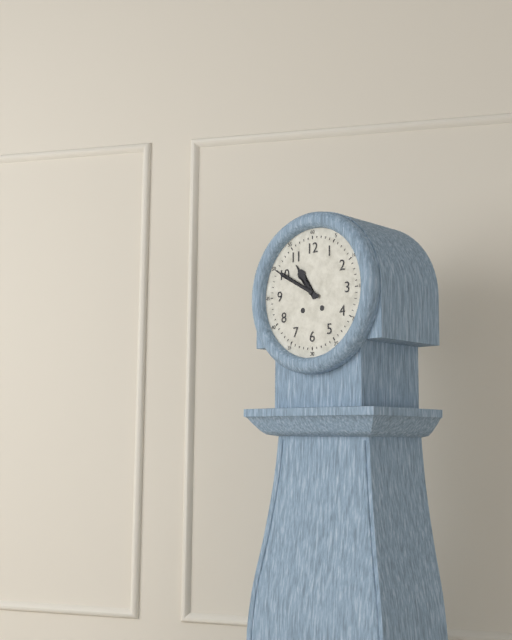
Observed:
10h50
